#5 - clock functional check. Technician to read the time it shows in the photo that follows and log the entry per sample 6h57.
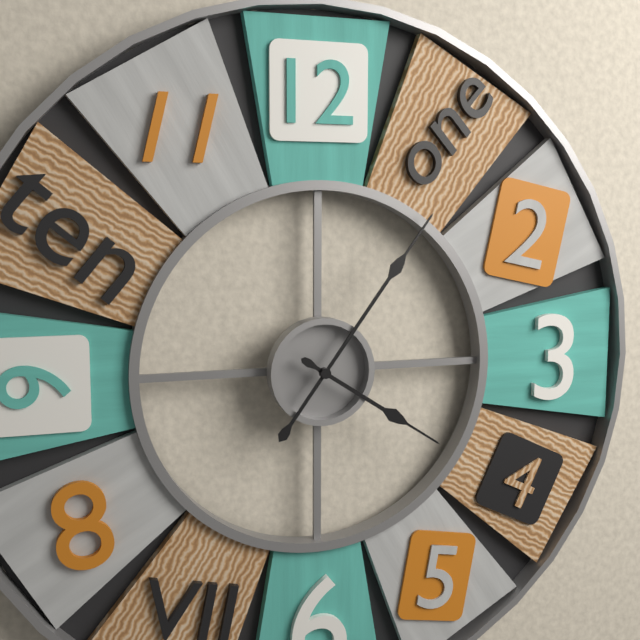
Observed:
4h06
